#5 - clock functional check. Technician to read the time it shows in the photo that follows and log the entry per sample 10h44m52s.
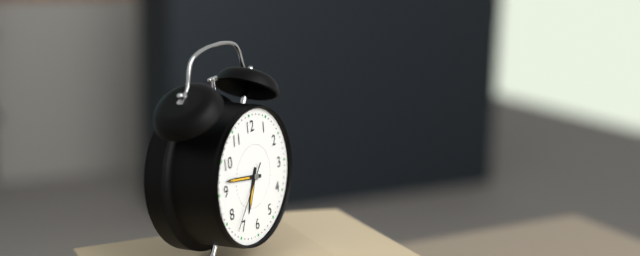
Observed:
6h47m37s
